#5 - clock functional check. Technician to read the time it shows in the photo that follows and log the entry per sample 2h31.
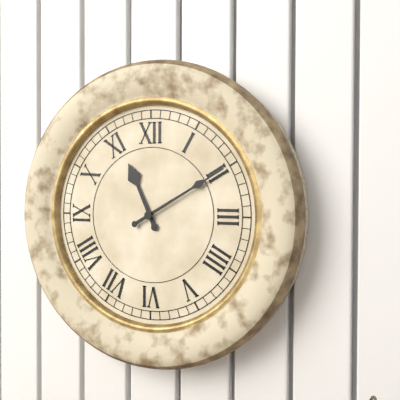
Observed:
11h10
